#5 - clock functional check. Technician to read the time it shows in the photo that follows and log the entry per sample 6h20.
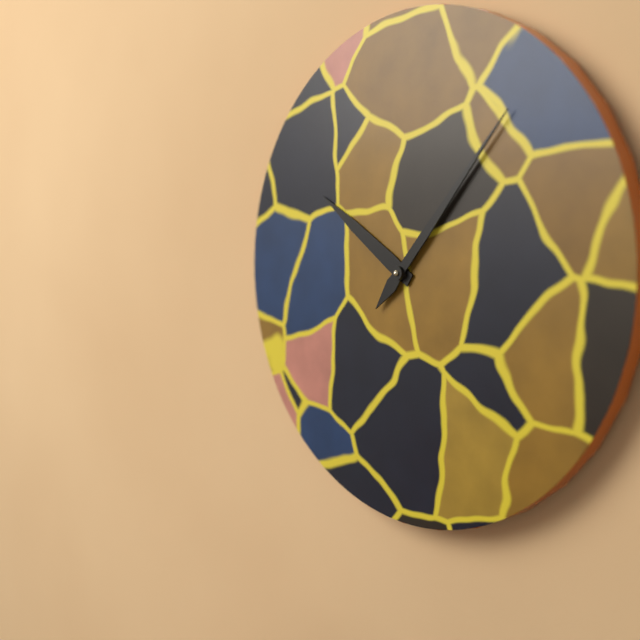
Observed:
10h07
